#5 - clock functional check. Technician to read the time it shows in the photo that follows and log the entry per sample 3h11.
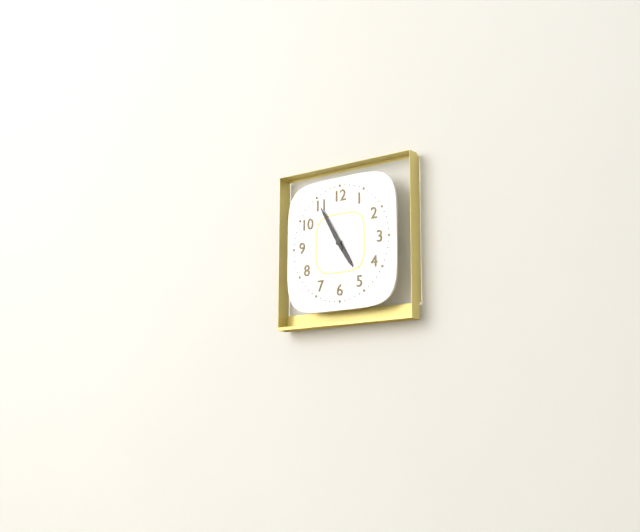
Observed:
4h55
